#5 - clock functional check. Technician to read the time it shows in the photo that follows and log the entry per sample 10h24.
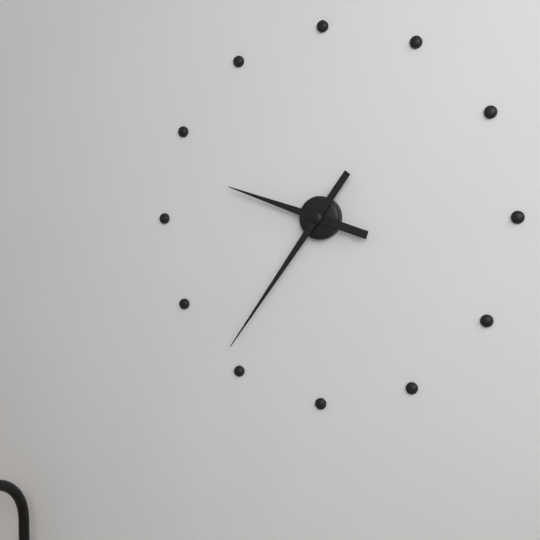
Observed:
9h36
